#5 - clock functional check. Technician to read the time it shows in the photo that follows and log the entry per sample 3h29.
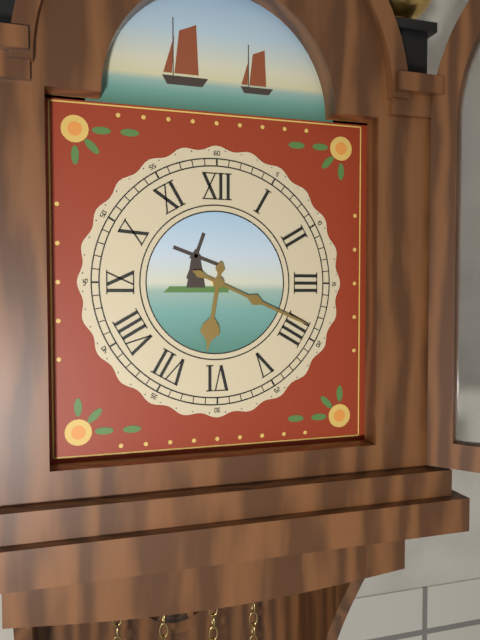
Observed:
6h19
